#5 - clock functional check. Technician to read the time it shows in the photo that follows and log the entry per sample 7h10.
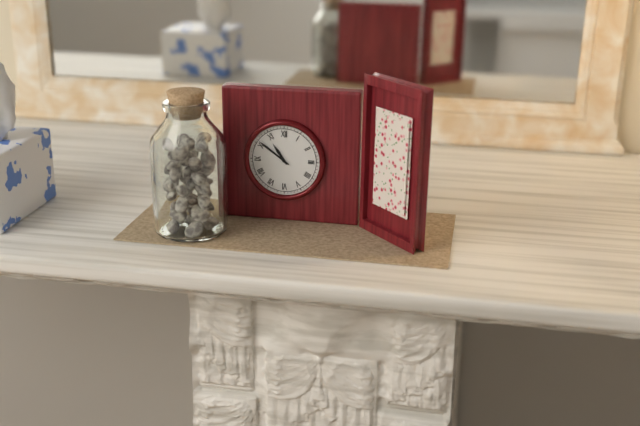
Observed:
10h51
